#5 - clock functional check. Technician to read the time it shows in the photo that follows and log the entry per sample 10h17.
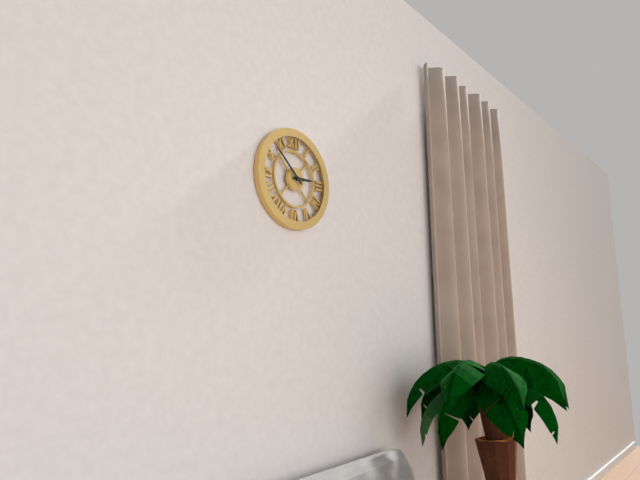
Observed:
2h52
